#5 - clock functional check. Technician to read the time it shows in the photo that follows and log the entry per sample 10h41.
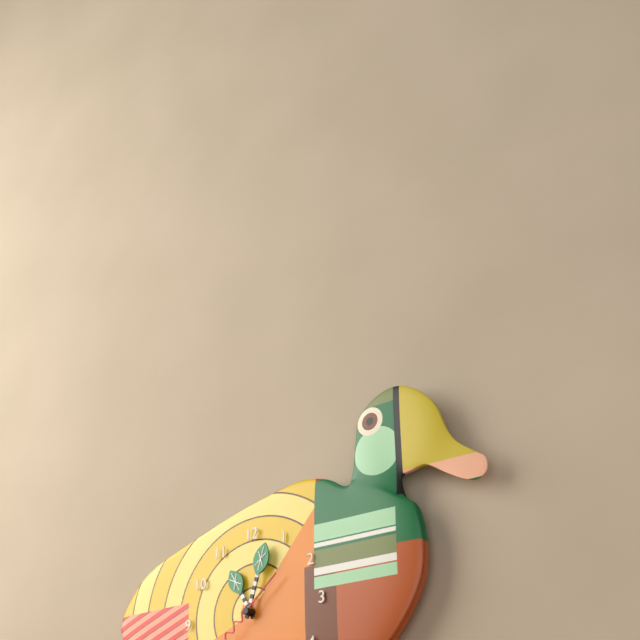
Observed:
11h03
